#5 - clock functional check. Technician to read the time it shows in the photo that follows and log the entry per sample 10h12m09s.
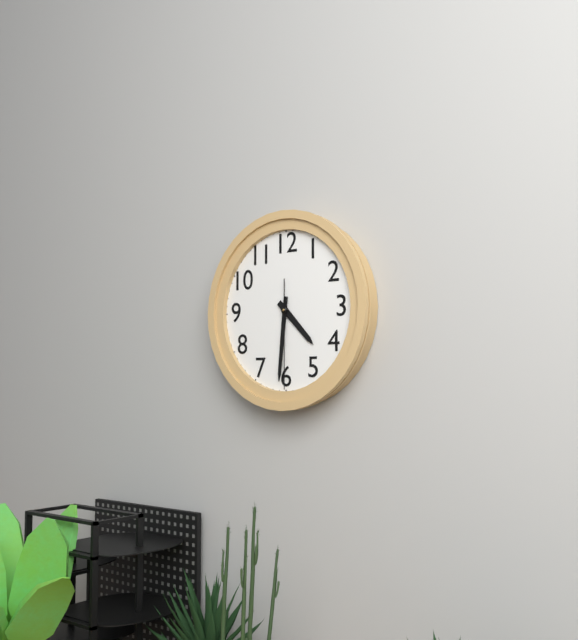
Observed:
4h31m30s
